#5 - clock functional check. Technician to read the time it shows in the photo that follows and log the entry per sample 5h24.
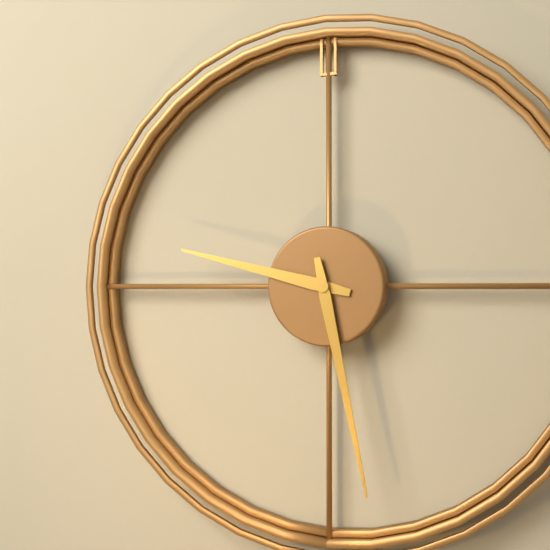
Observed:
9h28
